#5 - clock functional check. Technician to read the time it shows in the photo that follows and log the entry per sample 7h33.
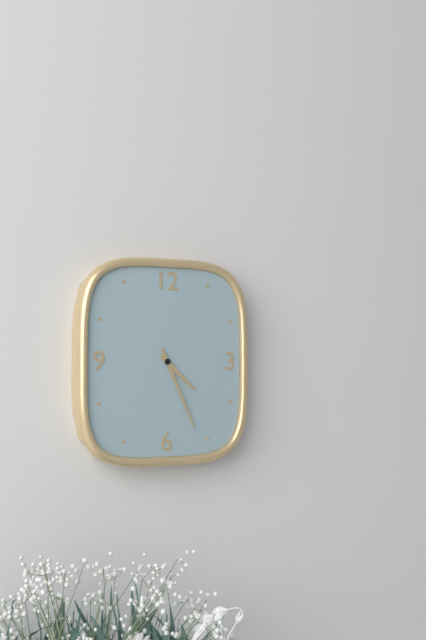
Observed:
4h26
